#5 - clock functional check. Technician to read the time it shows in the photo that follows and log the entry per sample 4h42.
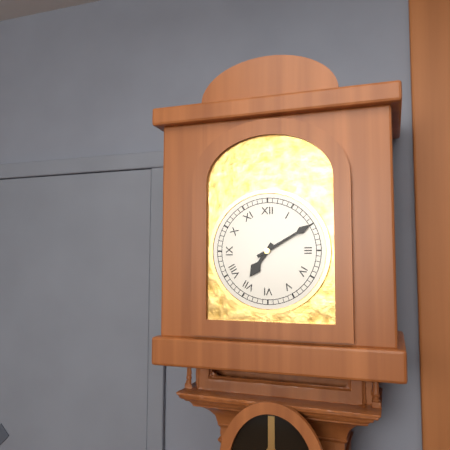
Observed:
7h10
